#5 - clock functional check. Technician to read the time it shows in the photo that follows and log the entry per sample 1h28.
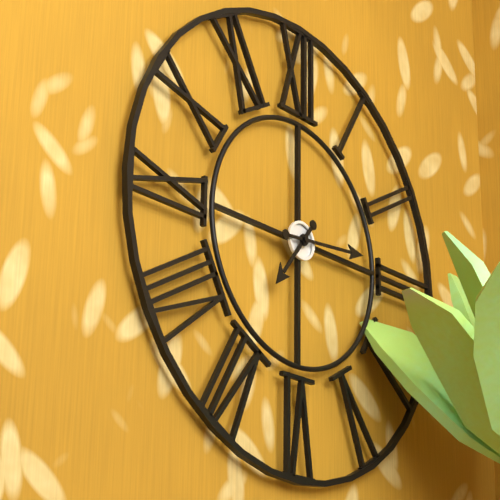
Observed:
7h14
